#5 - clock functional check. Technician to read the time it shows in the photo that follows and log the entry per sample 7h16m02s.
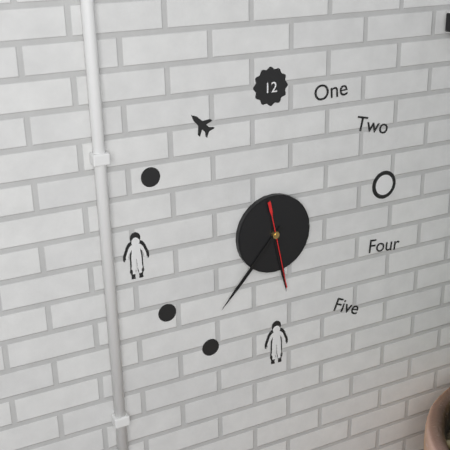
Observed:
5h37m28s
